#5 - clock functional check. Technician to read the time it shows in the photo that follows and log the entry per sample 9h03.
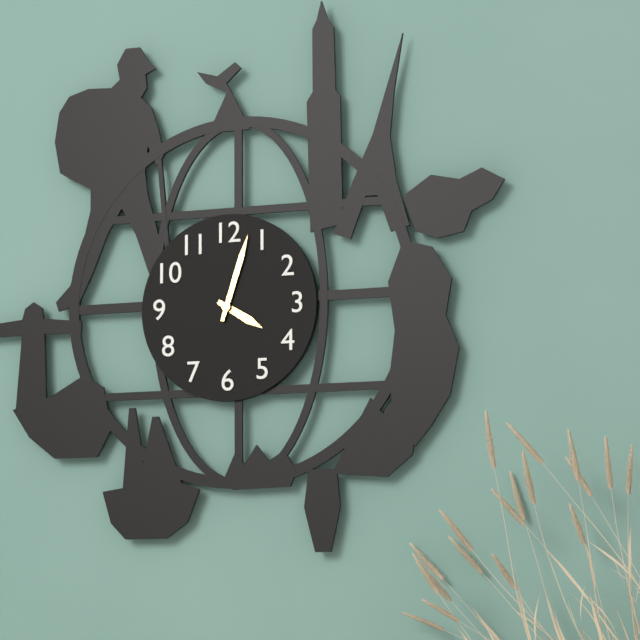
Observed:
4h03
